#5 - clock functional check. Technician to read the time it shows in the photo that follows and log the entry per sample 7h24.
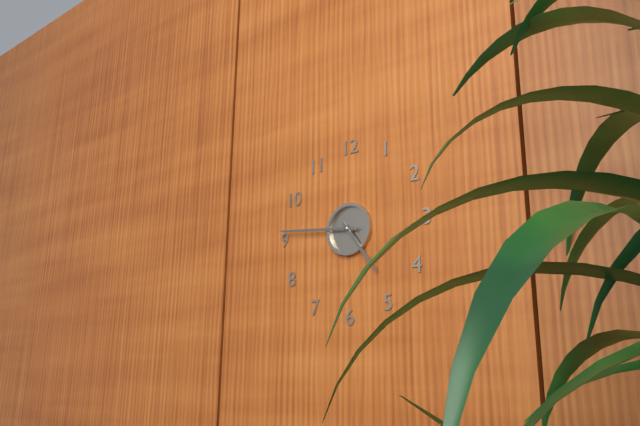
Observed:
4h46
